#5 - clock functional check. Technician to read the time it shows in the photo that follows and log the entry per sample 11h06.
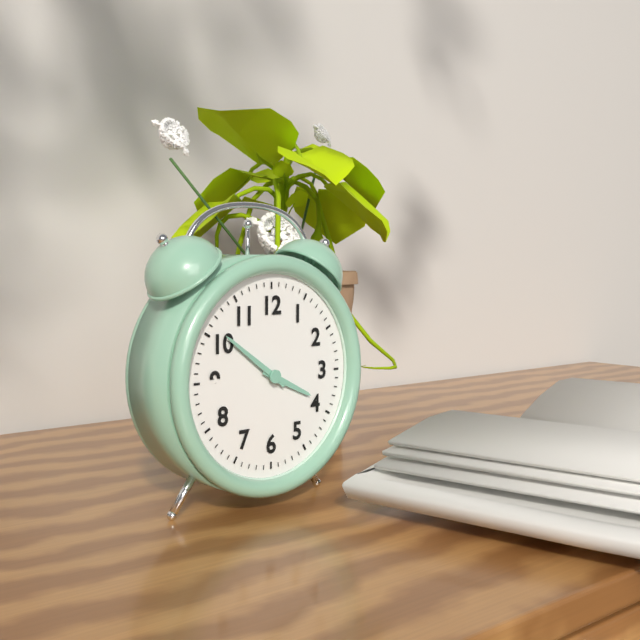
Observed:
3h51
